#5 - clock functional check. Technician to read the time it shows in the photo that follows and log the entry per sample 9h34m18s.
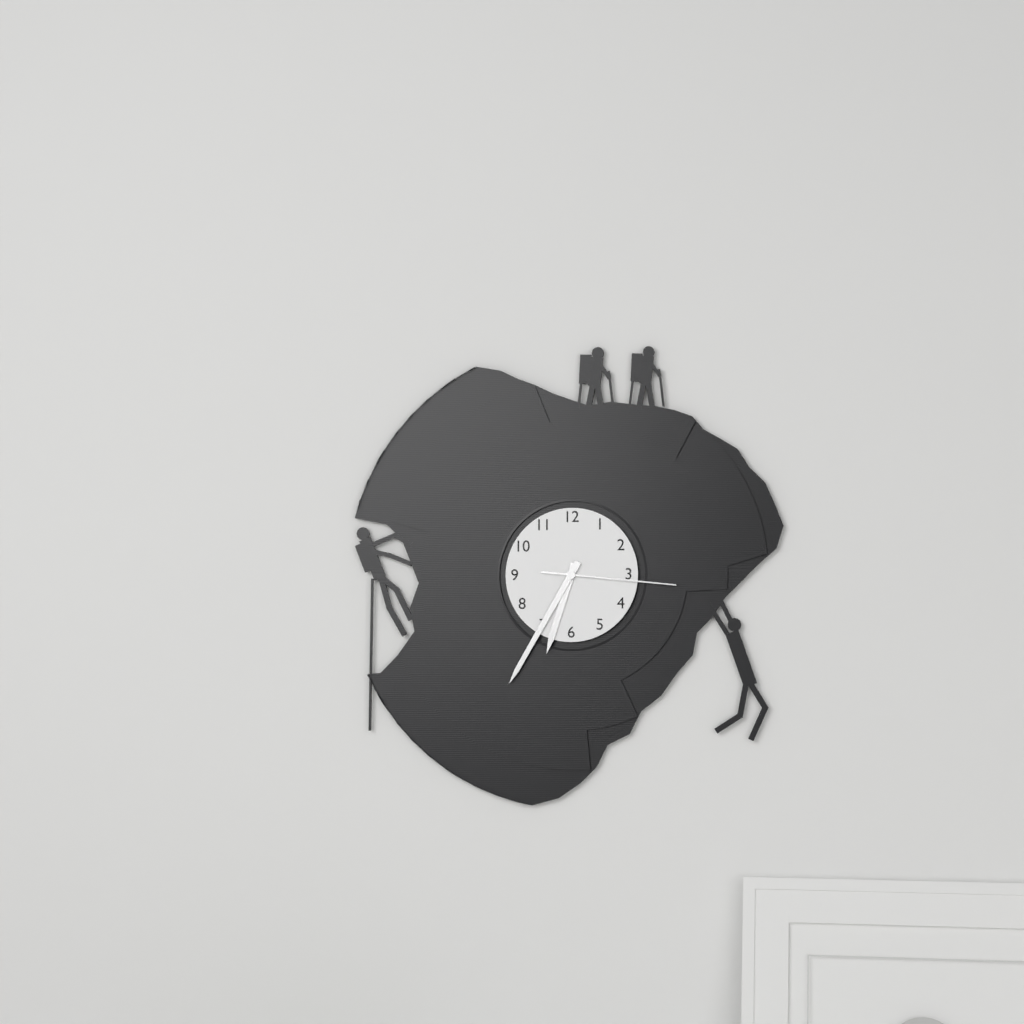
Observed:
6h35m16s
